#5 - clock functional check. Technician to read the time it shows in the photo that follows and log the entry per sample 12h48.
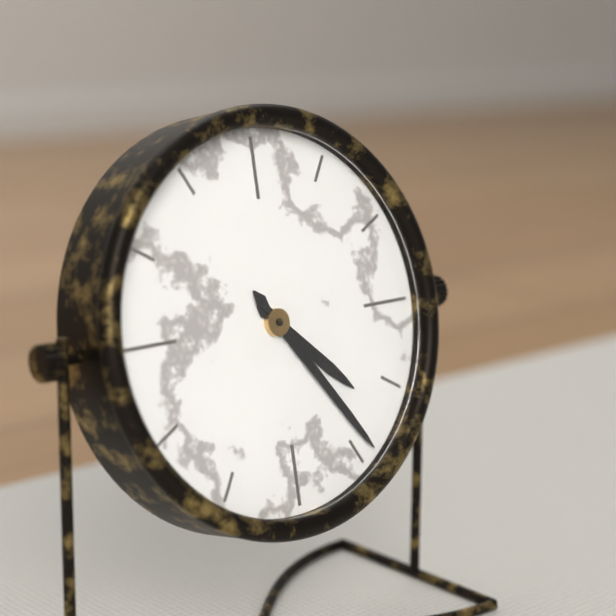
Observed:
4h24
